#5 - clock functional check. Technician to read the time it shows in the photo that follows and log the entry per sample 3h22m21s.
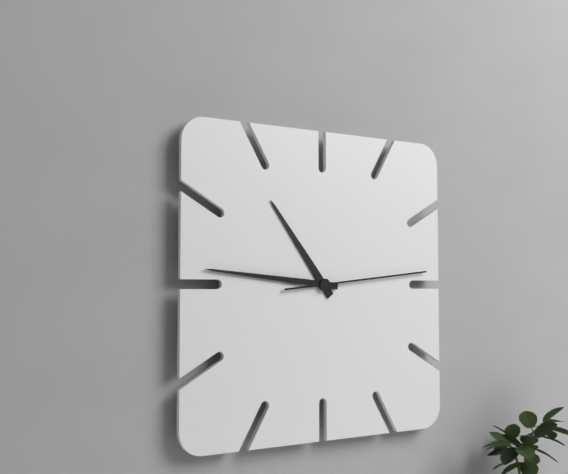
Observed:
10h46m14s
